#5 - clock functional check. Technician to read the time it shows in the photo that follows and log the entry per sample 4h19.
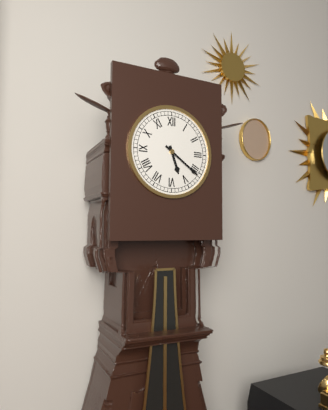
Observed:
5h21
